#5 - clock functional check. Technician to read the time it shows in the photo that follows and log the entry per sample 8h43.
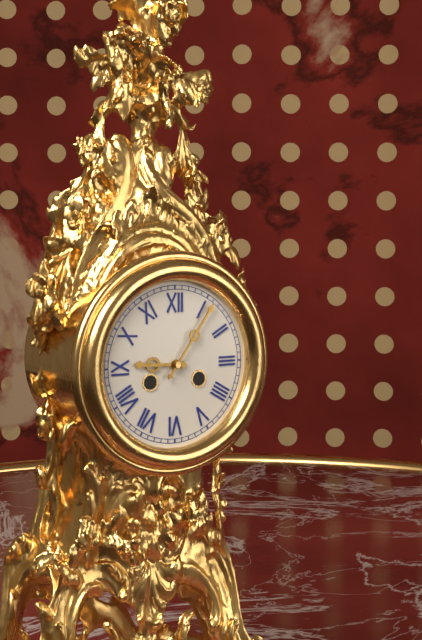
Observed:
9h06
